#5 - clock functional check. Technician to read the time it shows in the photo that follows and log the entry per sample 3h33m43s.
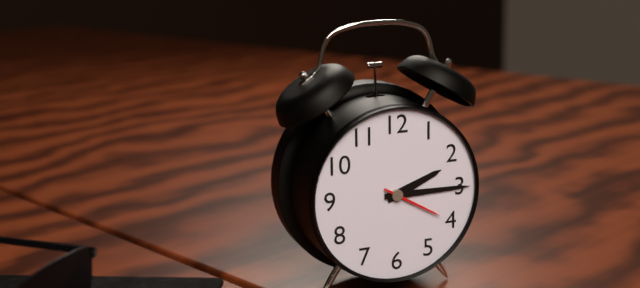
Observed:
2h15m20s
